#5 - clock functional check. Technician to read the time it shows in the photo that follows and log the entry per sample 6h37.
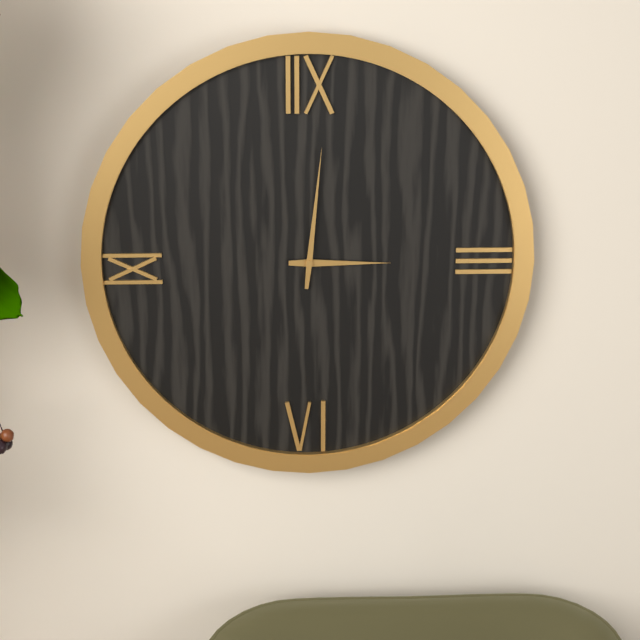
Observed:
3h01
